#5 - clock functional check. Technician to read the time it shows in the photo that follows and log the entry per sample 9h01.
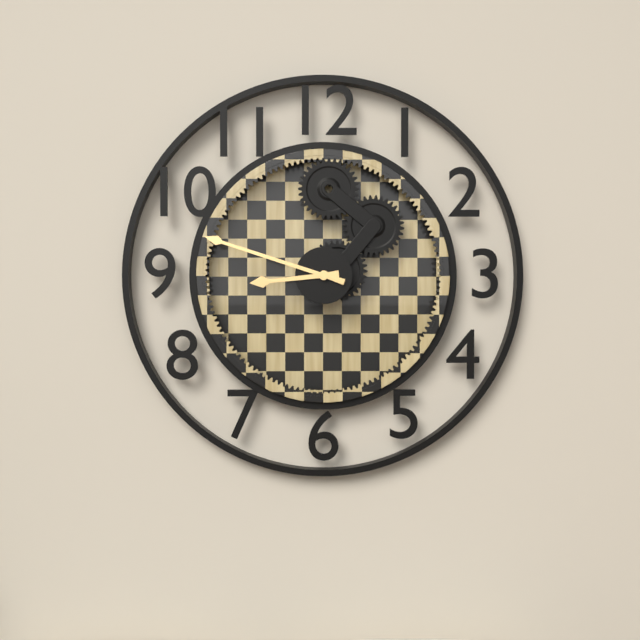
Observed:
8h48
